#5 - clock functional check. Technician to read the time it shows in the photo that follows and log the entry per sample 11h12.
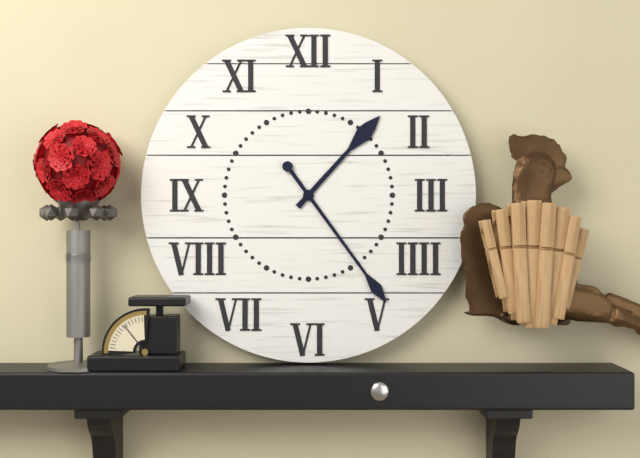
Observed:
1h24
